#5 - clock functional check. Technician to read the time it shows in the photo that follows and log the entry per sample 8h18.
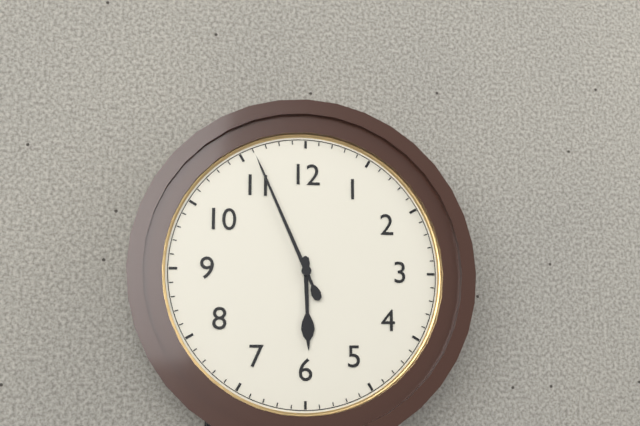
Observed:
5h56
